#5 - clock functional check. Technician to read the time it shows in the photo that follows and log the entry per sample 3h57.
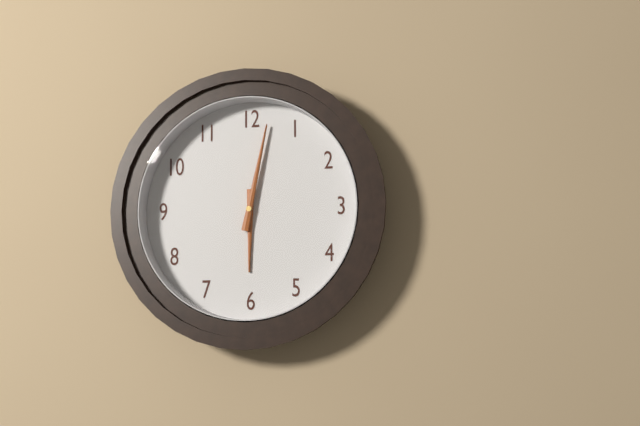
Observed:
6h02
